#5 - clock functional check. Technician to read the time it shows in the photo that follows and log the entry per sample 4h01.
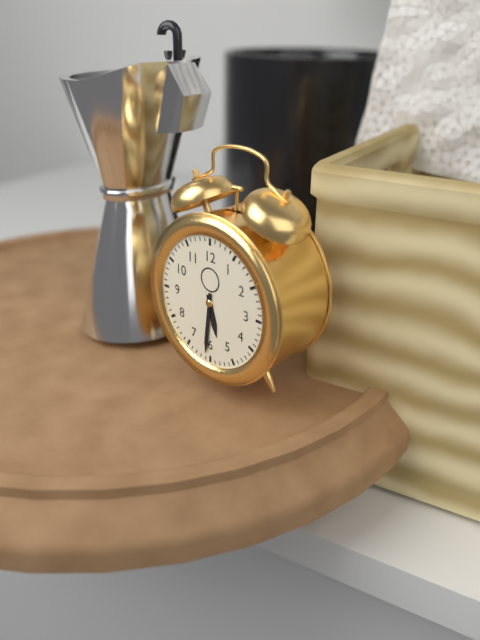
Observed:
5h31
